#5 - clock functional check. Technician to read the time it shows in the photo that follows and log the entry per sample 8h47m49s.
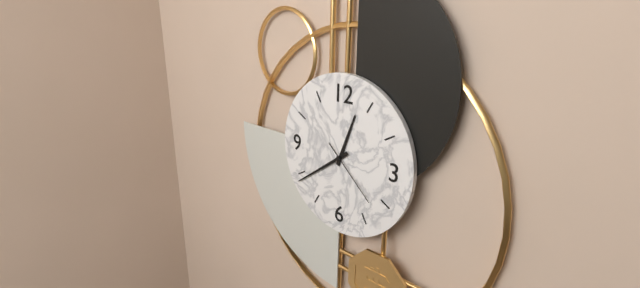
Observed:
12h39m22s
